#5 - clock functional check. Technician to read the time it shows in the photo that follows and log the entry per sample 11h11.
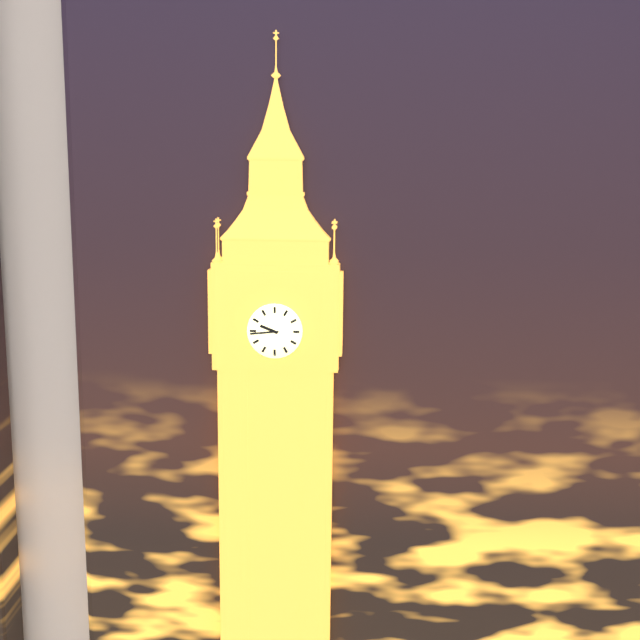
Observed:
9h44
